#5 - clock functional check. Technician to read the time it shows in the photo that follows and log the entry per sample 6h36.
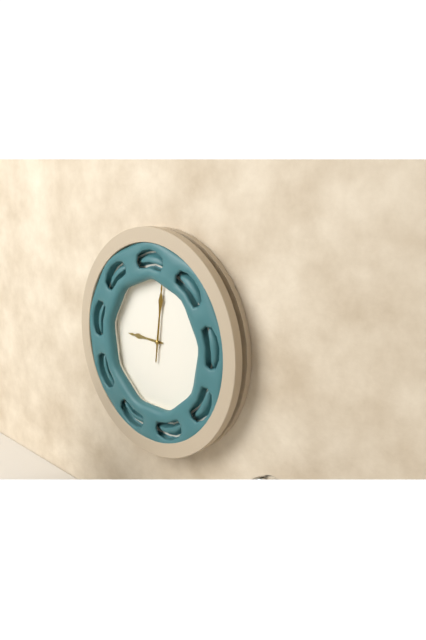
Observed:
9h01
